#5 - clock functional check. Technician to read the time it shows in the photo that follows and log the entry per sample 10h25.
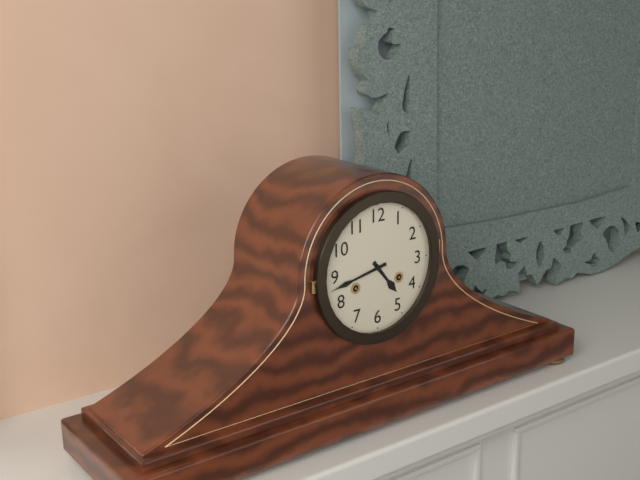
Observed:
4h43
